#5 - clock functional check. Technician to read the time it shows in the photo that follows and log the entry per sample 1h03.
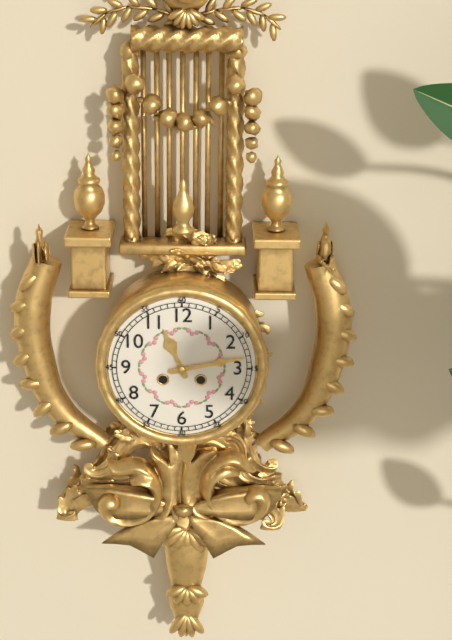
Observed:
11h13
